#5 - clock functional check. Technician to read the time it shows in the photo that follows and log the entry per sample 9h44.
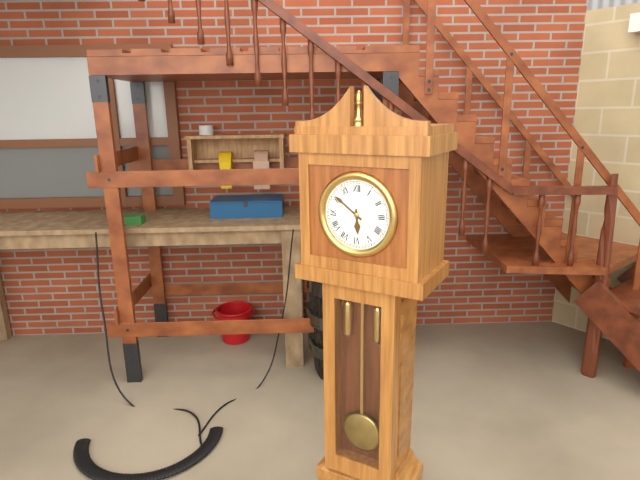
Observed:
5h51
